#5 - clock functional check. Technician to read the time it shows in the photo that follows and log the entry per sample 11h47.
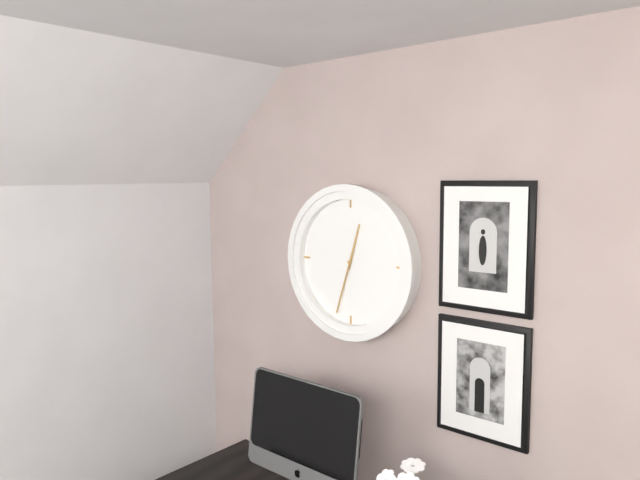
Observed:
12h33
